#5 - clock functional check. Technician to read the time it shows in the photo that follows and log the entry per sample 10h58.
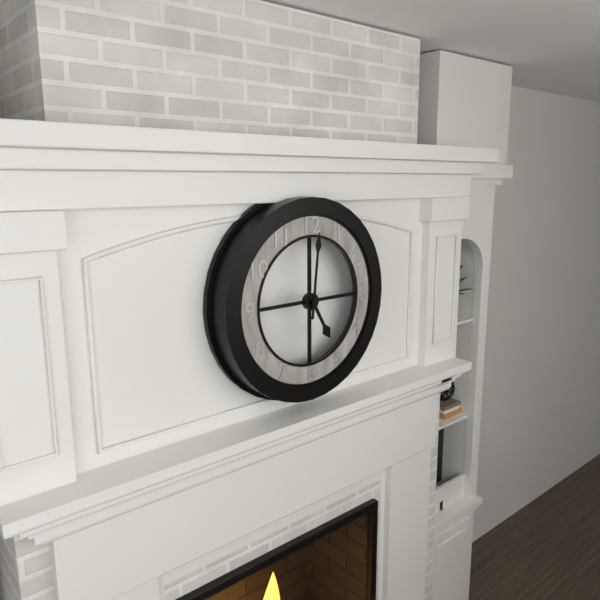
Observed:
5h01
